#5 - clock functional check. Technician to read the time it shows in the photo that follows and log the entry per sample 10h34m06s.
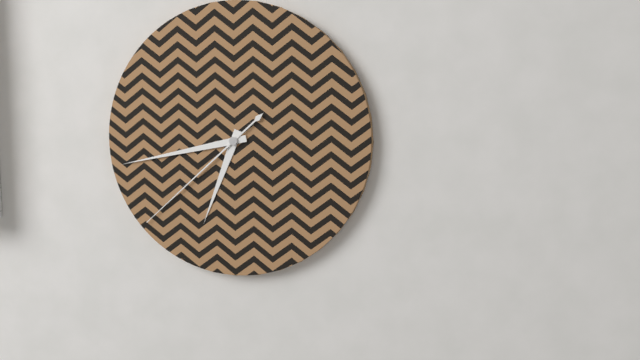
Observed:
6h43m38s
